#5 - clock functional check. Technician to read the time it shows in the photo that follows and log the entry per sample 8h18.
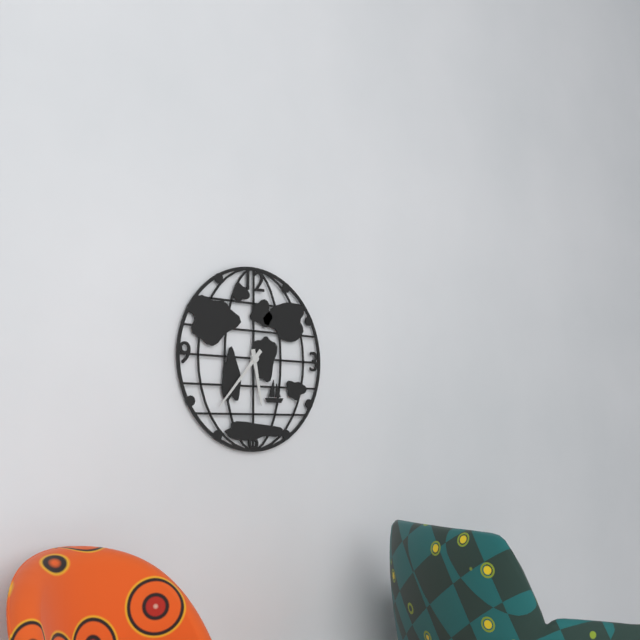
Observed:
5h37
